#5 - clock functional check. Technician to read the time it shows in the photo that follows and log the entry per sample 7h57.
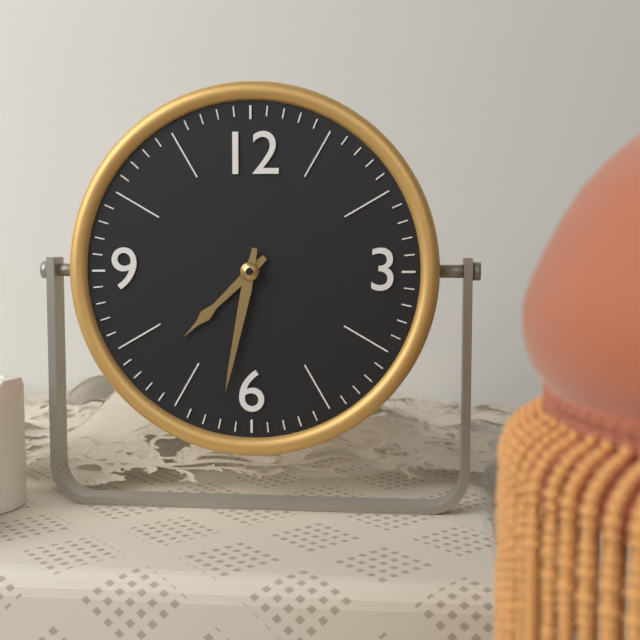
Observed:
7h32
